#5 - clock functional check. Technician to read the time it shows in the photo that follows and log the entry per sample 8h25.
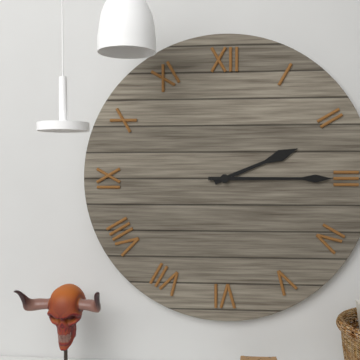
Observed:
2h15
